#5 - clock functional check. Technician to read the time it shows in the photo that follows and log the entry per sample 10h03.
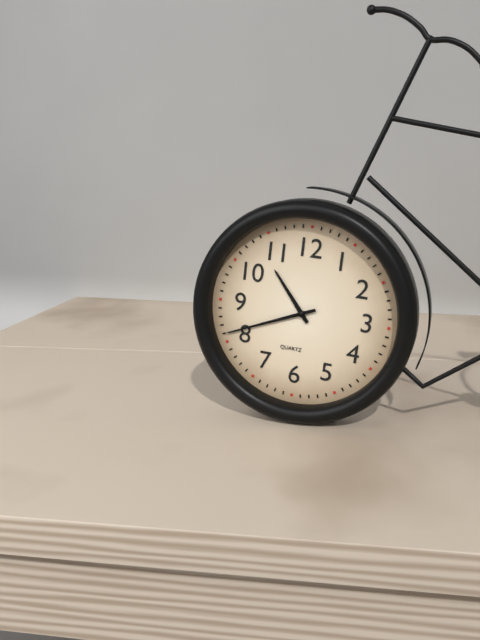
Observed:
10h41
